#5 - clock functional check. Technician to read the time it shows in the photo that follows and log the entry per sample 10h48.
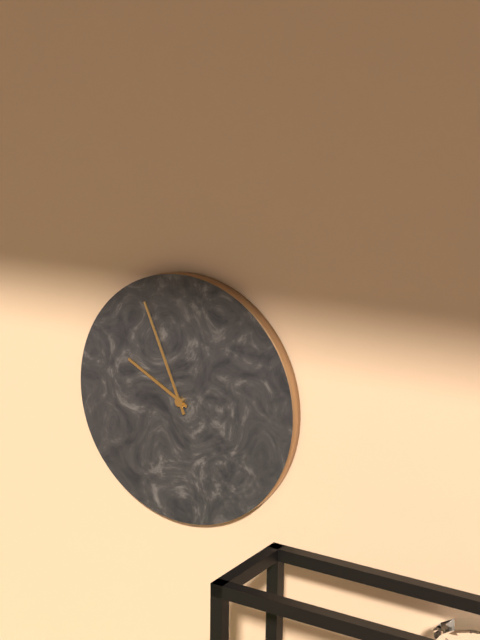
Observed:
9h56
